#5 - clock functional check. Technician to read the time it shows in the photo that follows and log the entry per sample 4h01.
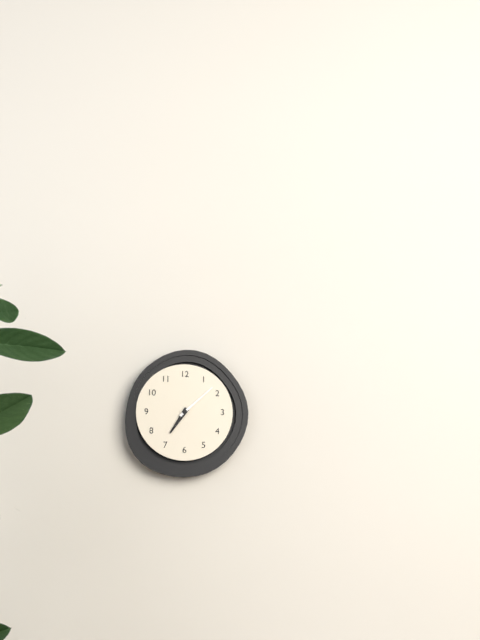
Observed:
7h08
